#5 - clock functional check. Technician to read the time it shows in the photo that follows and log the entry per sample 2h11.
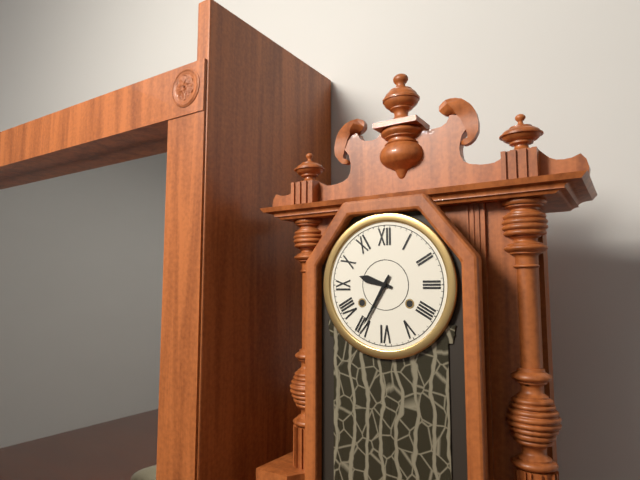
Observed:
9h35
